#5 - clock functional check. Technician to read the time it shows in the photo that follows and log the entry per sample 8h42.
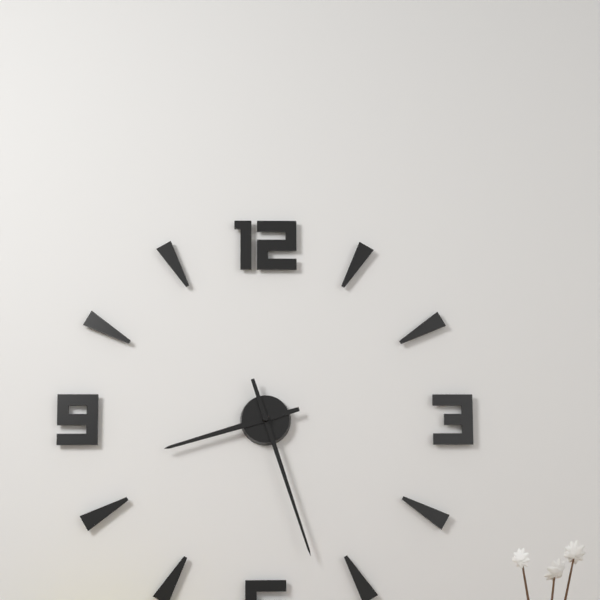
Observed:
8h27
